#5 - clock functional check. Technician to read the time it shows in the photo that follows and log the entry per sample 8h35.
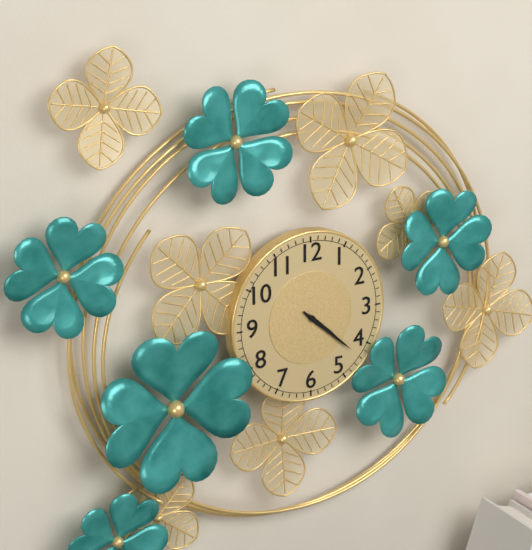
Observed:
4h22
